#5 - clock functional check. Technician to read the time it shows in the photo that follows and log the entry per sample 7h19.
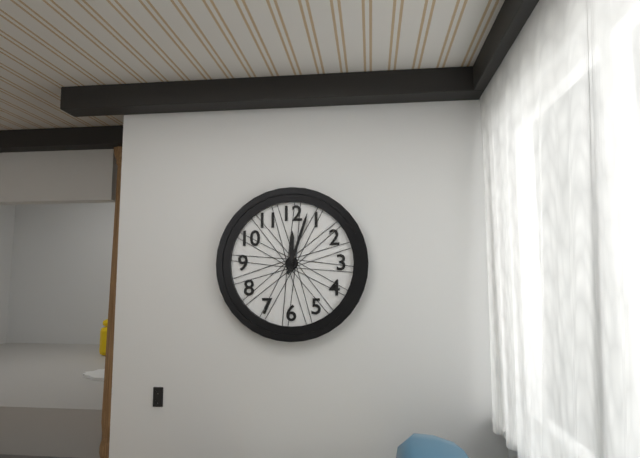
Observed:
12h03
